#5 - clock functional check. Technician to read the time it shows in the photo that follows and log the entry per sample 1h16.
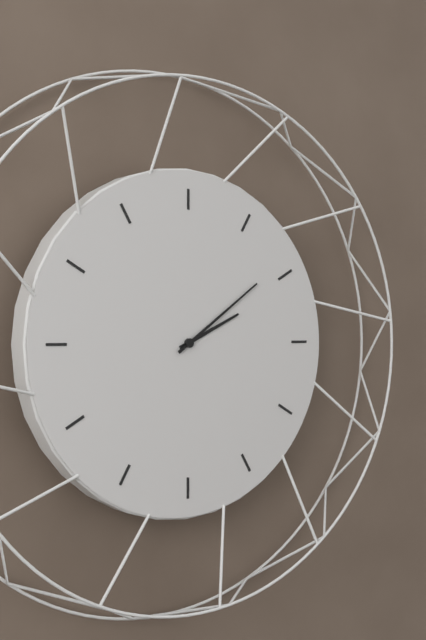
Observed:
2h09
